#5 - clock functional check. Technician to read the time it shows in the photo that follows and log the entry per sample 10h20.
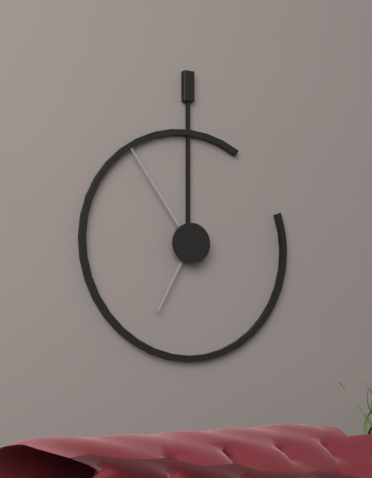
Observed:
6h54
